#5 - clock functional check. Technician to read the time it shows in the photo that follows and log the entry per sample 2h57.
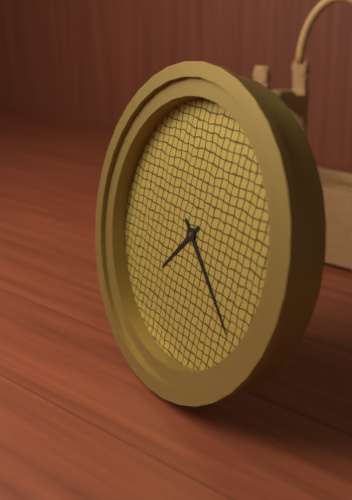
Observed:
7h22
